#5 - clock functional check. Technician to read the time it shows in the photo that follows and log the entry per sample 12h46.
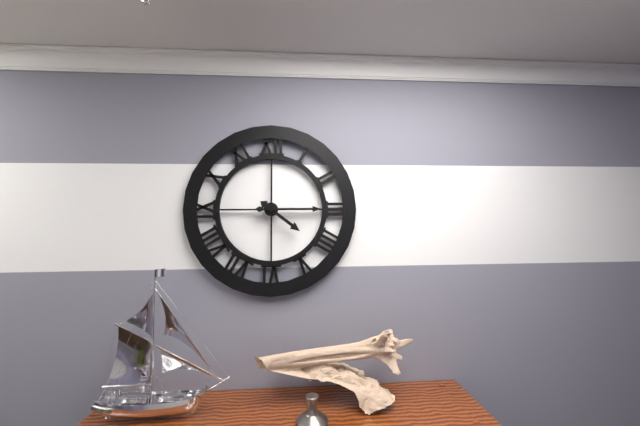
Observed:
4h15
